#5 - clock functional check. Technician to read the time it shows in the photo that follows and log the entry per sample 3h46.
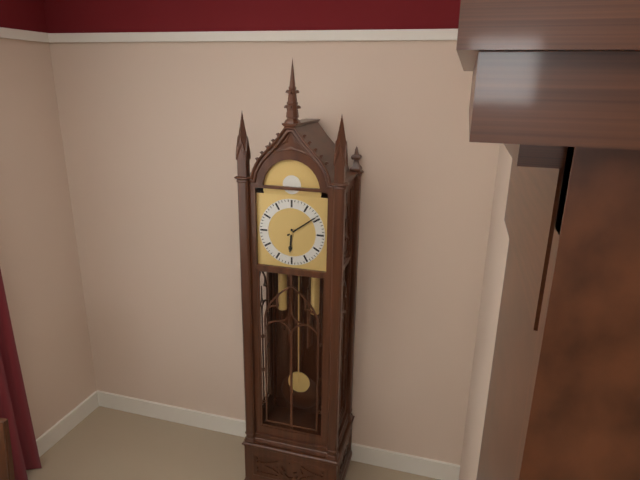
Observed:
6h09
